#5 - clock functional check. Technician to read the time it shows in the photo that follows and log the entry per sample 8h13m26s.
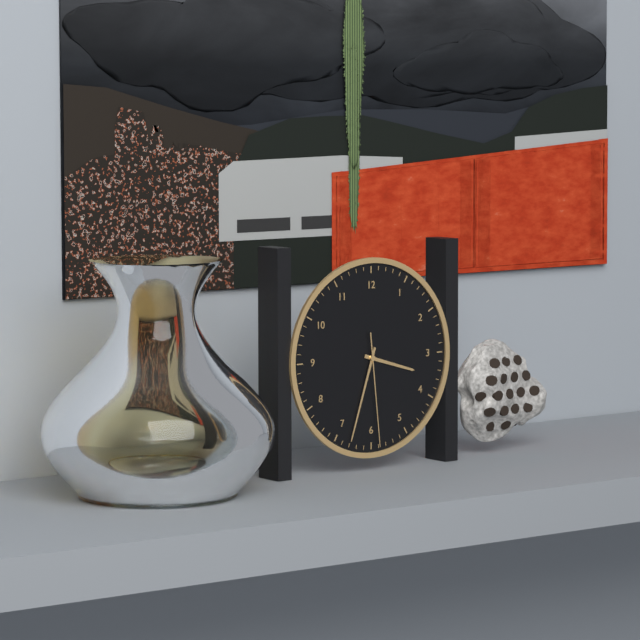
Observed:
3h33m29s
